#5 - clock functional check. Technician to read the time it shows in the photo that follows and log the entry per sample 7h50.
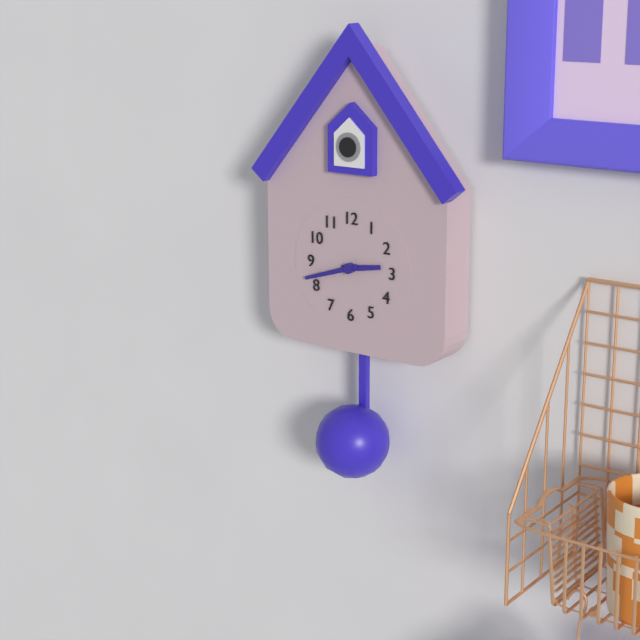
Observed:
2h42
